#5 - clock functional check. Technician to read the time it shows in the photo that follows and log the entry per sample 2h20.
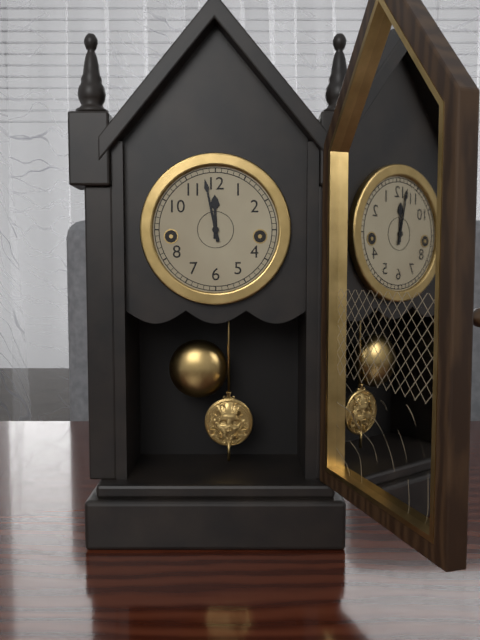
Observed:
11h58
